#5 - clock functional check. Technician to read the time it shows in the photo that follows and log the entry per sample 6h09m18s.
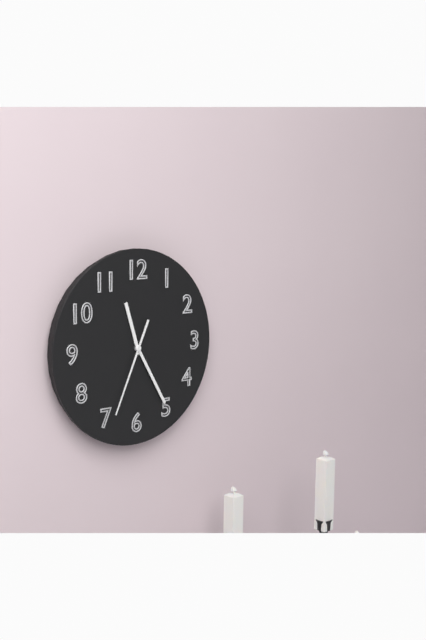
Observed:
11h25m34s
